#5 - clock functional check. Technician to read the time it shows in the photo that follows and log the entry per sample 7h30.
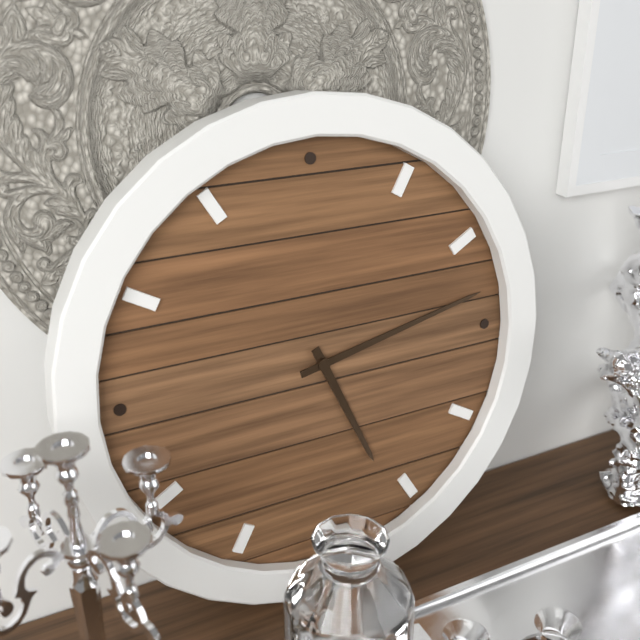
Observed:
5h13
